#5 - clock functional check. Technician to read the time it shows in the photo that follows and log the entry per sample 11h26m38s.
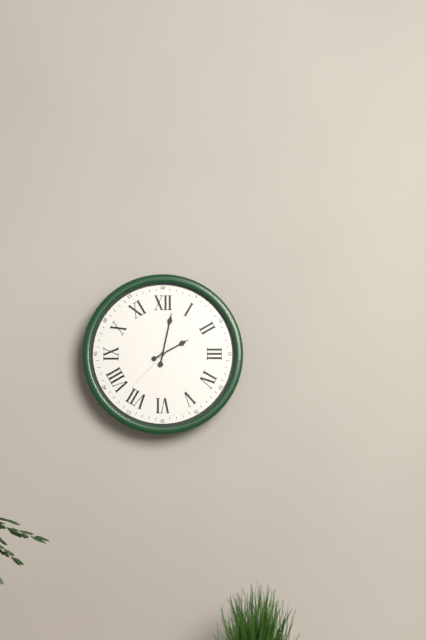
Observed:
2h02m37s
